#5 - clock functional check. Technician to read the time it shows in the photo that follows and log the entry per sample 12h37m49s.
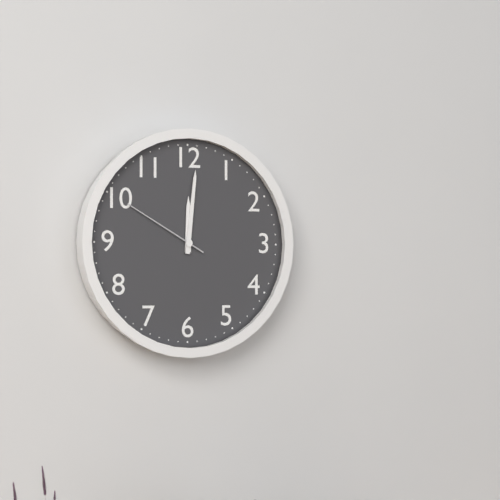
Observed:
12h01m50s
